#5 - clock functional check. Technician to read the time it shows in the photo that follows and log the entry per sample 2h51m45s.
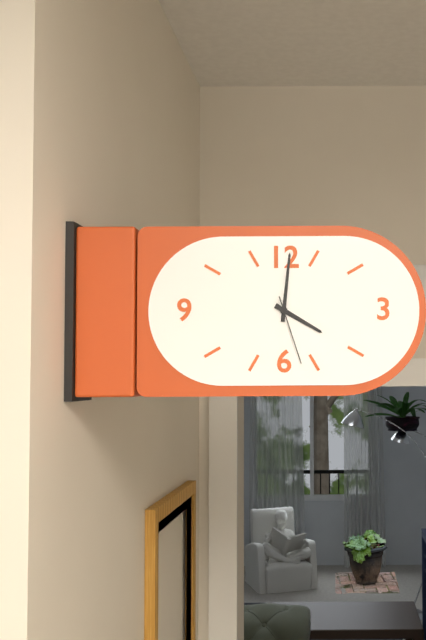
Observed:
4h01m27s
